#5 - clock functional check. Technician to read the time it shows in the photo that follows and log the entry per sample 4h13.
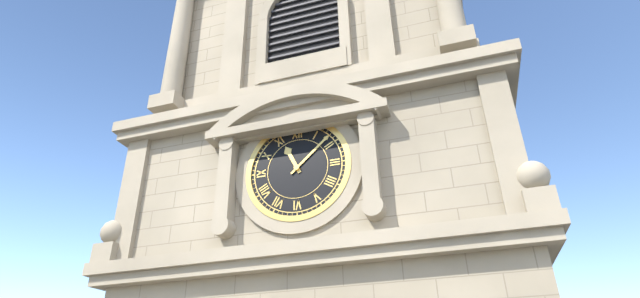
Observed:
11h08
